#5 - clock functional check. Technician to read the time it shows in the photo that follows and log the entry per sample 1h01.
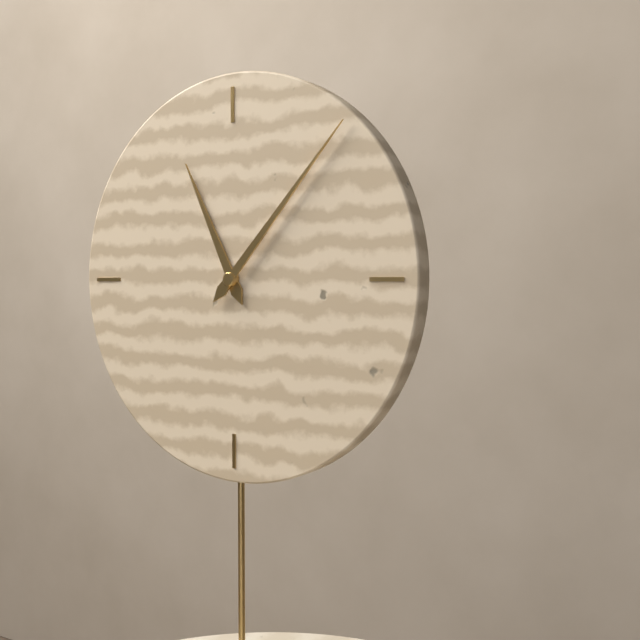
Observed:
11h07
